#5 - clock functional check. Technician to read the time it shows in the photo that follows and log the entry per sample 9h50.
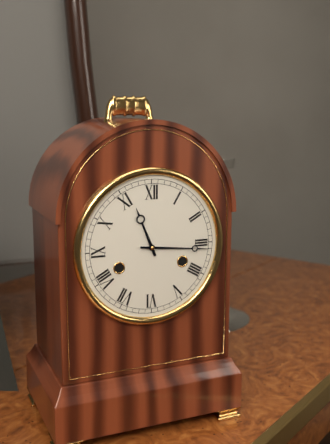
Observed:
11h16
